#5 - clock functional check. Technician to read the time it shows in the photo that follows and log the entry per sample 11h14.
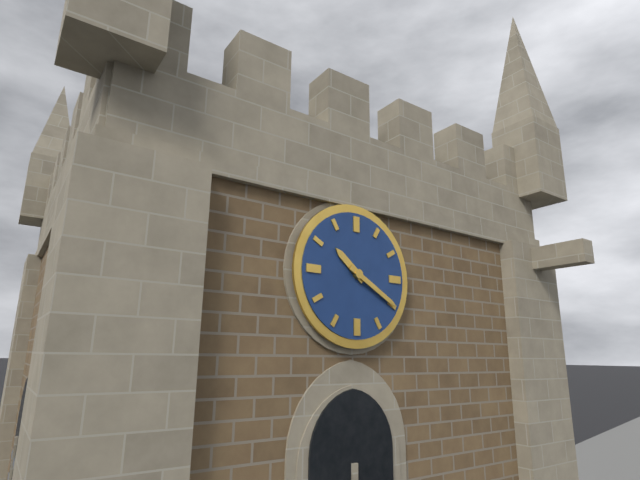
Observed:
10h20
